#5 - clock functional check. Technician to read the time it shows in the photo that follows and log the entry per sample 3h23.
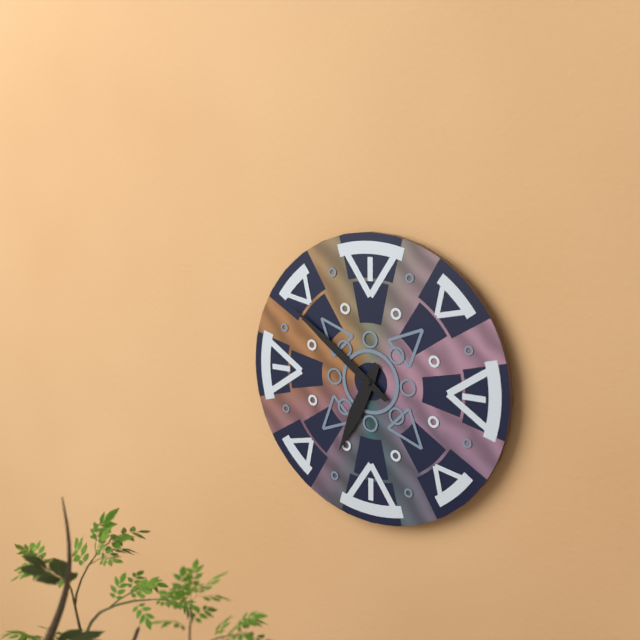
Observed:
6h51
